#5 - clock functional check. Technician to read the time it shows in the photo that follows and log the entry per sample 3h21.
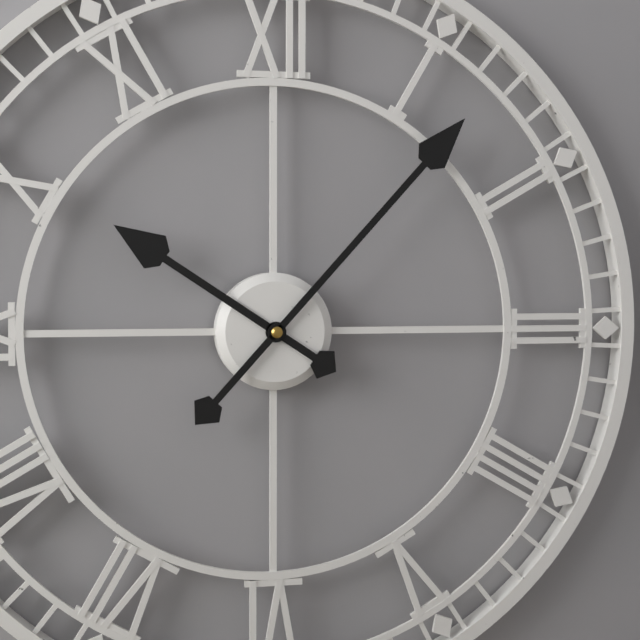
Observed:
10h07
